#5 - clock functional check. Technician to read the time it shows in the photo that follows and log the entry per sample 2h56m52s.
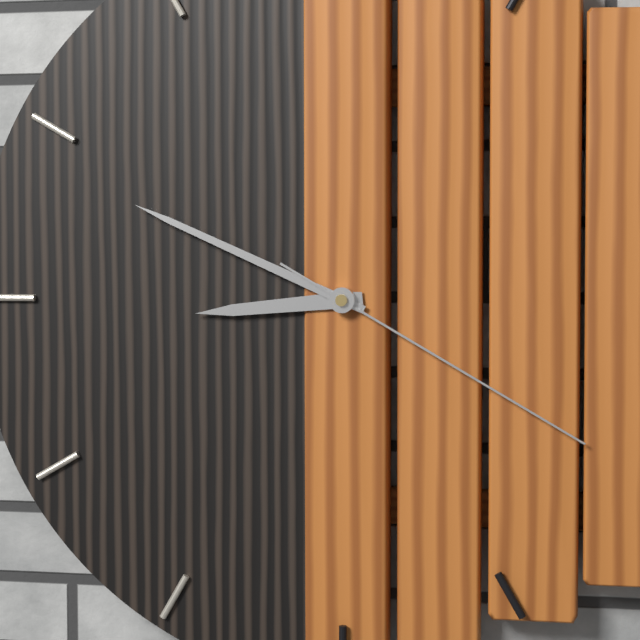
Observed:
8h49m20s
